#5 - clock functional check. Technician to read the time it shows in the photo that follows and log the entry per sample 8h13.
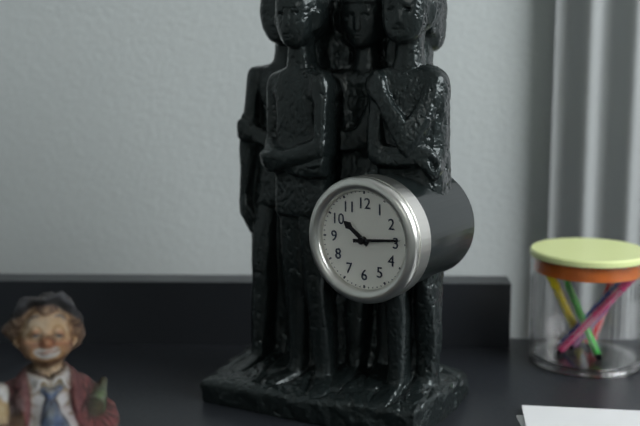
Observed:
10h14
